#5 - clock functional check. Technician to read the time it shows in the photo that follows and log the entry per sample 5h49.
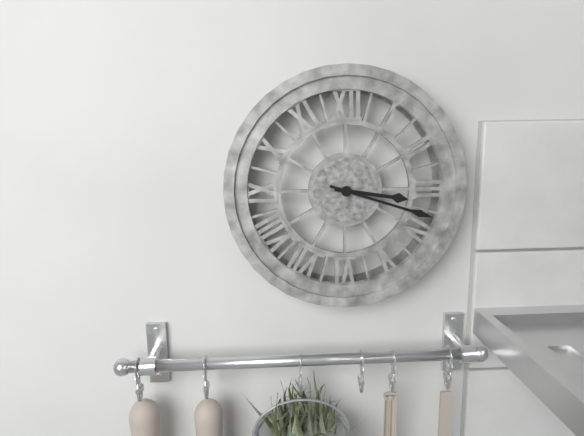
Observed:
3h18
